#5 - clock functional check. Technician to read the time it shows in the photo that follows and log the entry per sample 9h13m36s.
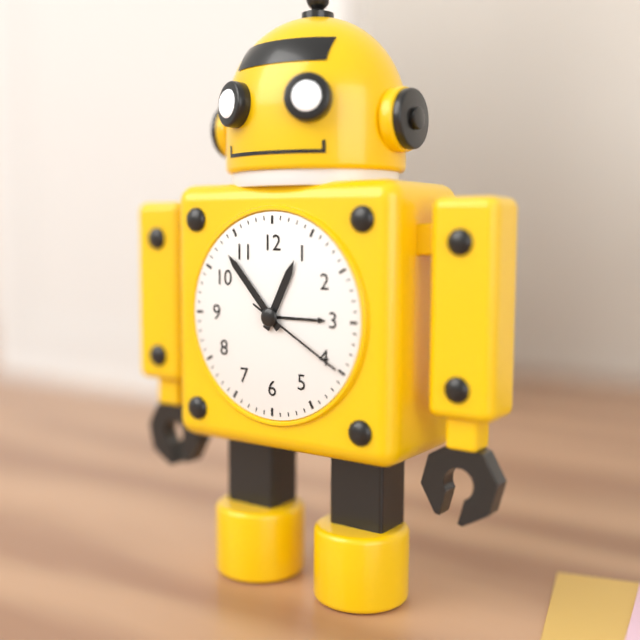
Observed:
12h53m20s
